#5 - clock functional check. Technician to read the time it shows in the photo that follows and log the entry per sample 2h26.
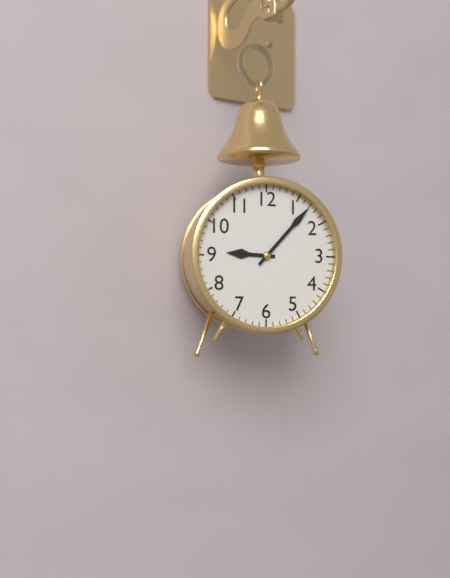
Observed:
9h07
